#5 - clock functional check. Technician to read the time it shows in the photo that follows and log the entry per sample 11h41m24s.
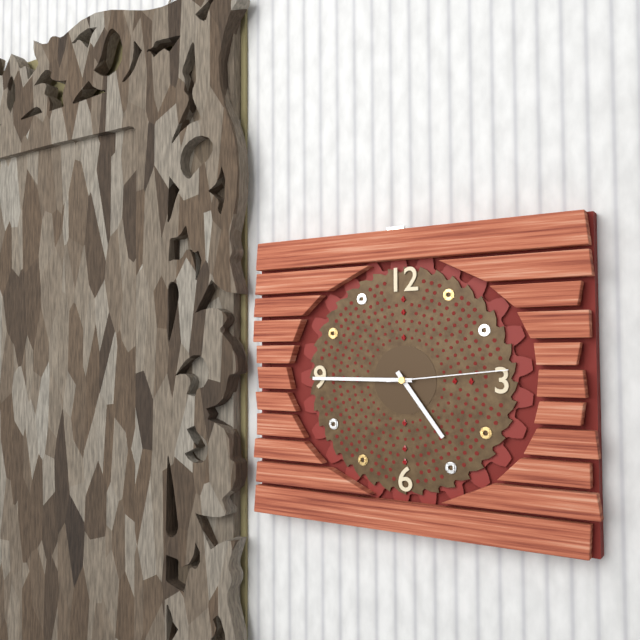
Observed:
4h45m14s
